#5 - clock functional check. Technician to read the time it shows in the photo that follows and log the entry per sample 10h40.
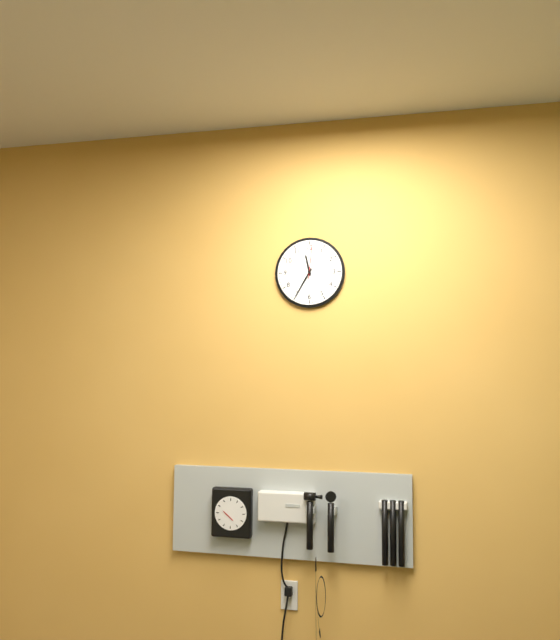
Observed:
11h35
